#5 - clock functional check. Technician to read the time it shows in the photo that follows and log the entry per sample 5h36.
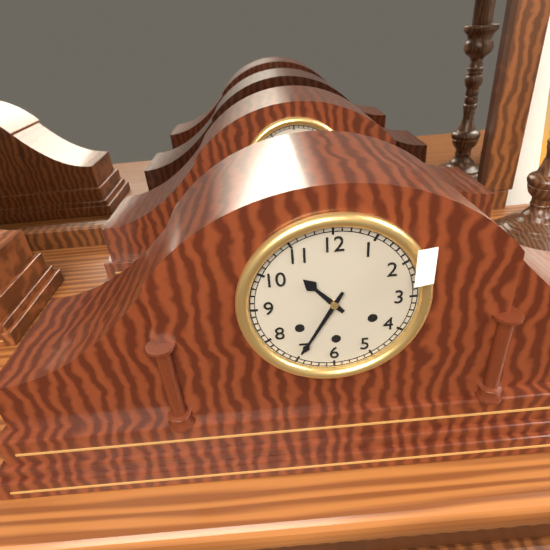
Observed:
10h35
